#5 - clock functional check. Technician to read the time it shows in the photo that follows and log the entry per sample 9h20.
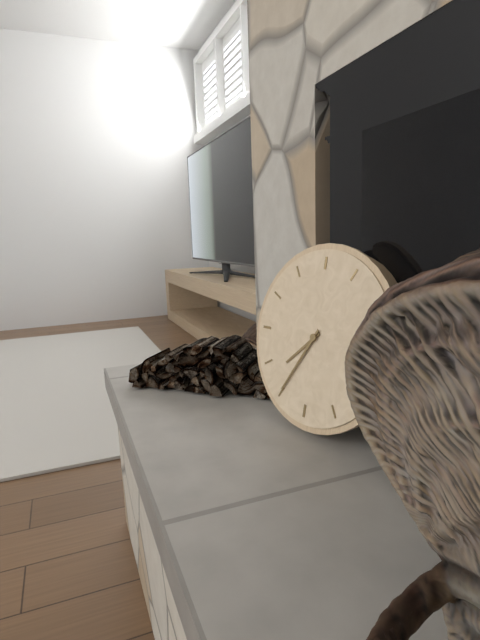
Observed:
7h35
